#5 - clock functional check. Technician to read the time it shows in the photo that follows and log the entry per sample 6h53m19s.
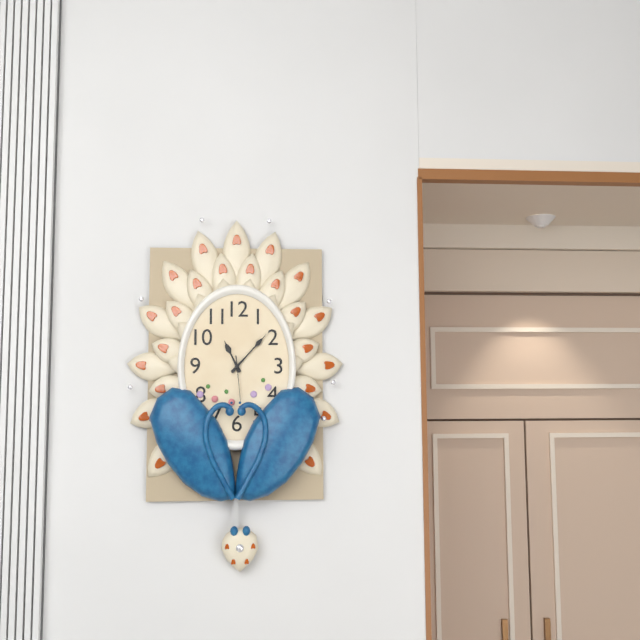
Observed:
11h07m29s
